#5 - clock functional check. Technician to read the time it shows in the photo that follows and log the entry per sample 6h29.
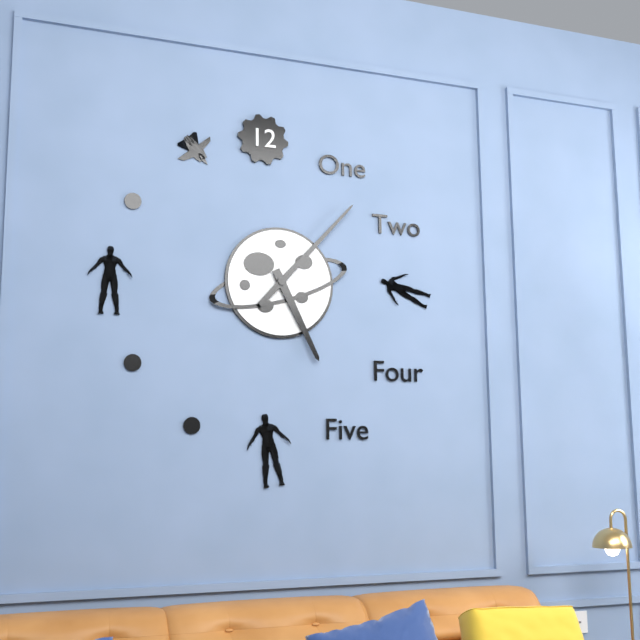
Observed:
5h07
